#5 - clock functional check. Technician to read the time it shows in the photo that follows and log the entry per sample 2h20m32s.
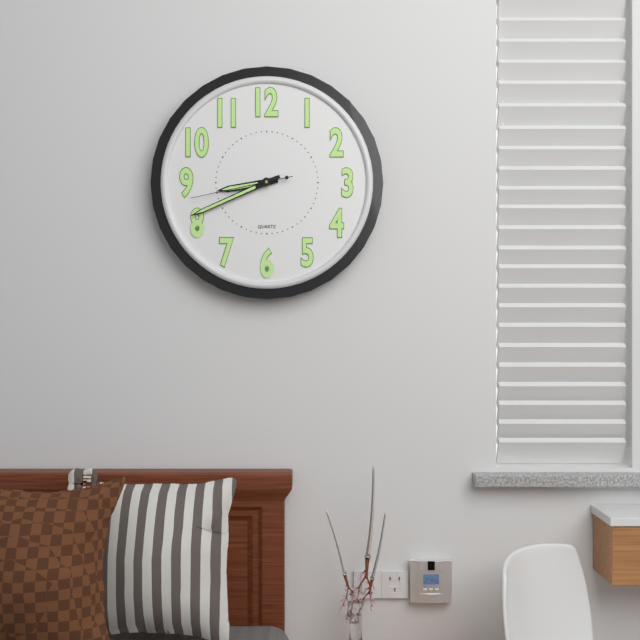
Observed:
8h41m43s
